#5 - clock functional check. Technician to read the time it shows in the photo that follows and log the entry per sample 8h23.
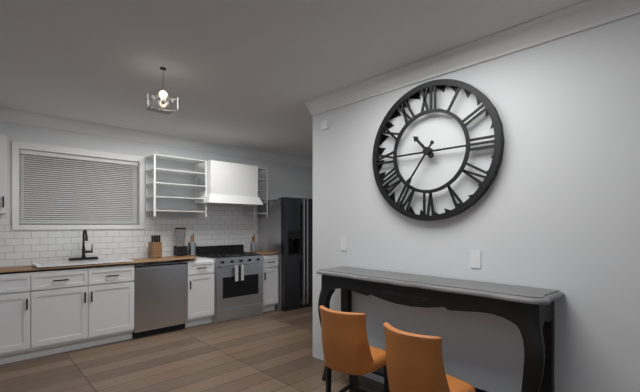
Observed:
10h36
